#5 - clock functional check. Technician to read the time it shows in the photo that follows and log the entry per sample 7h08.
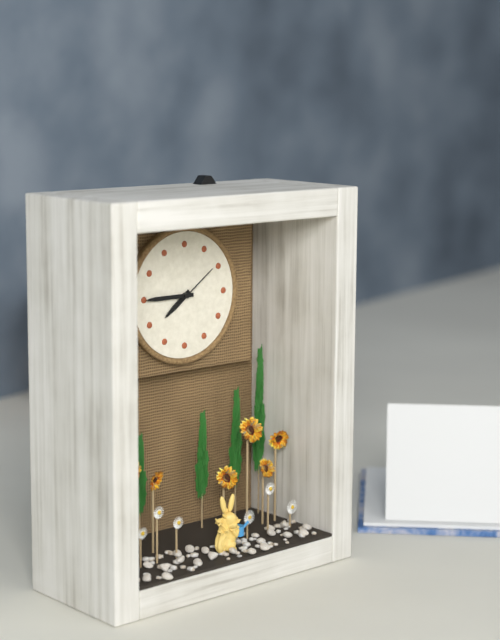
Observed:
7h45
